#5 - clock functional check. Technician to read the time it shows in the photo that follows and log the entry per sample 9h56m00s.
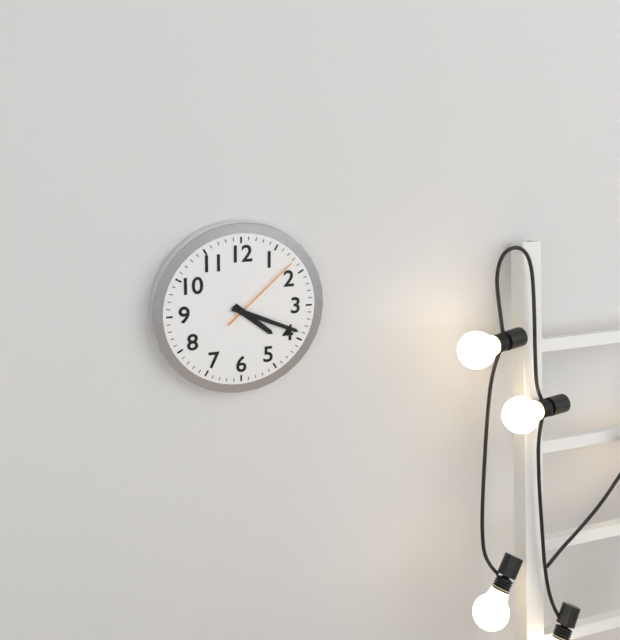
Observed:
4h19m08s
